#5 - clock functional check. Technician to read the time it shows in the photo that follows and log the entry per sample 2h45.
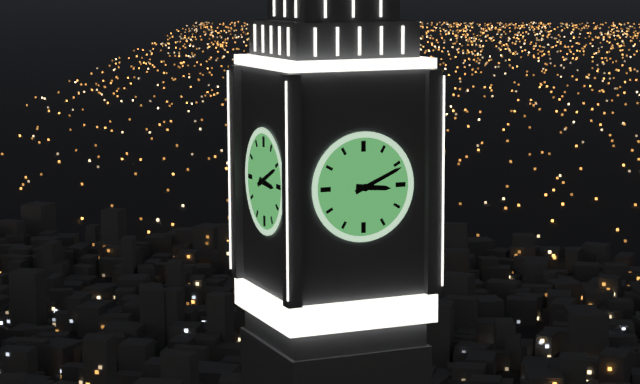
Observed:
3h11
